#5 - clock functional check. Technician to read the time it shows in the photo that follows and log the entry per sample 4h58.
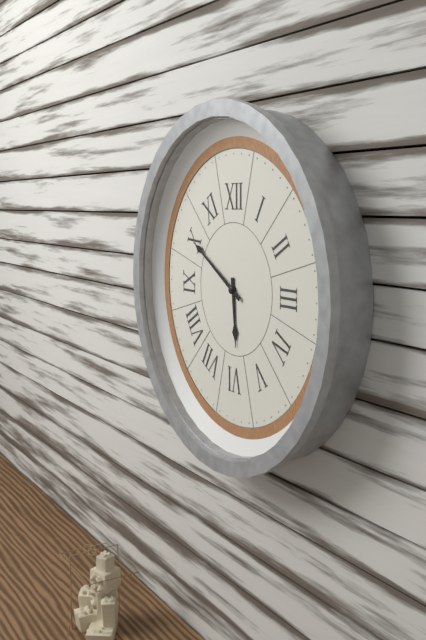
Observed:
5h50
